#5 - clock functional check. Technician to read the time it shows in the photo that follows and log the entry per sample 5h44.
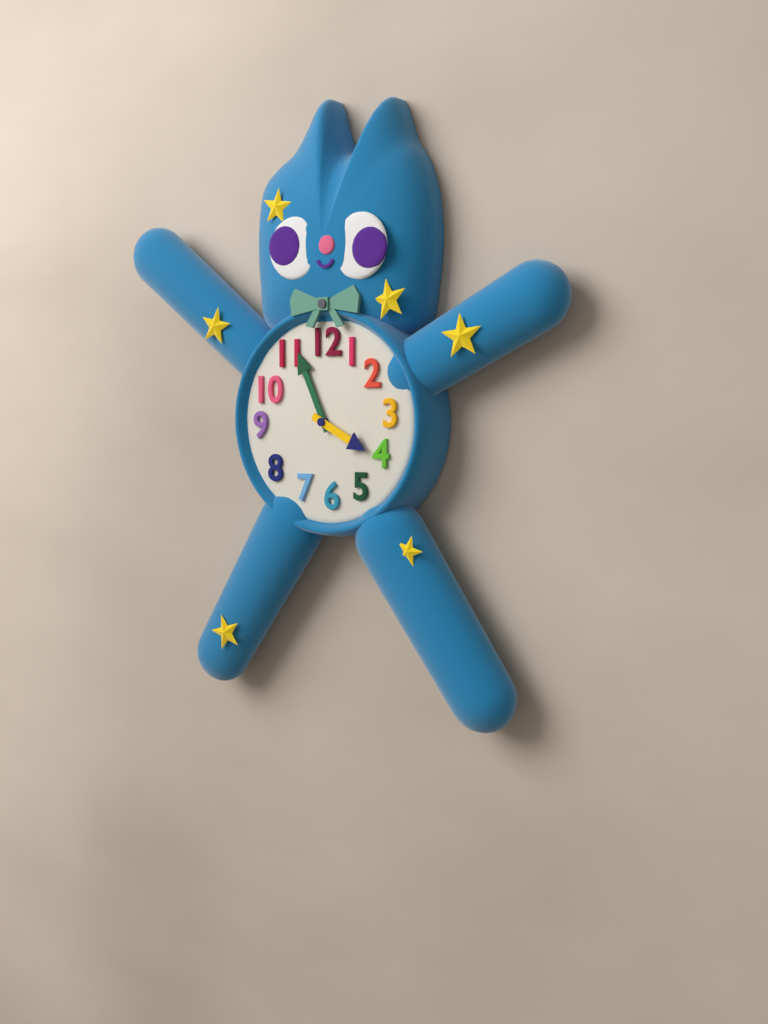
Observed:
3h56
